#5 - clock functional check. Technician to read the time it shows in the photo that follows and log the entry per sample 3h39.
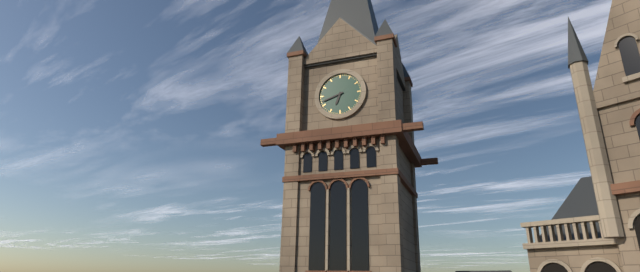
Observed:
6h42
